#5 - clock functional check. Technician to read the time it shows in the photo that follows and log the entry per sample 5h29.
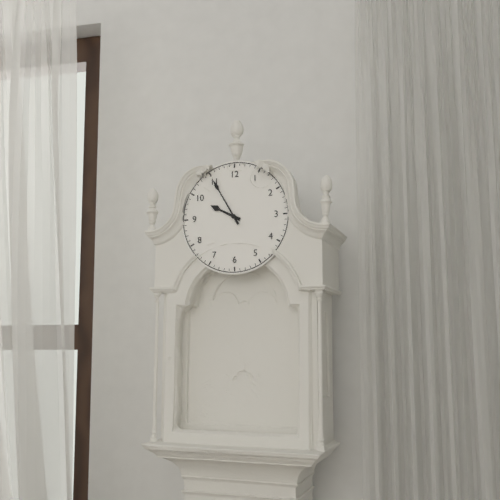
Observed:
9h55
